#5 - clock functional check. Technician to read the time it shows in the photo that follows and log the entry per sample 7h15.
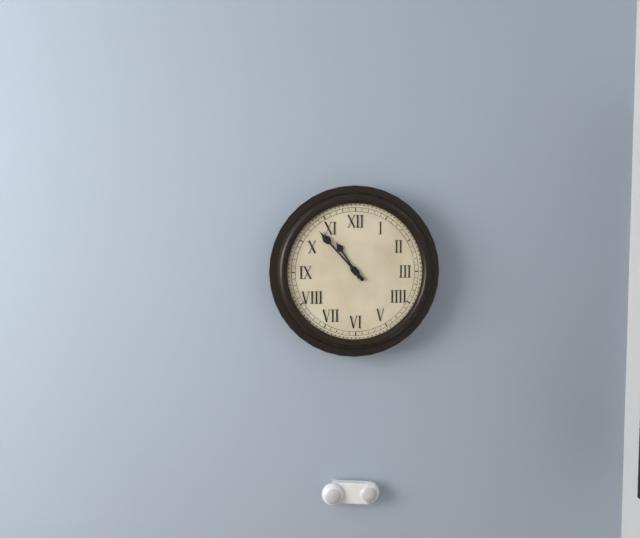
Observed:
10h53
